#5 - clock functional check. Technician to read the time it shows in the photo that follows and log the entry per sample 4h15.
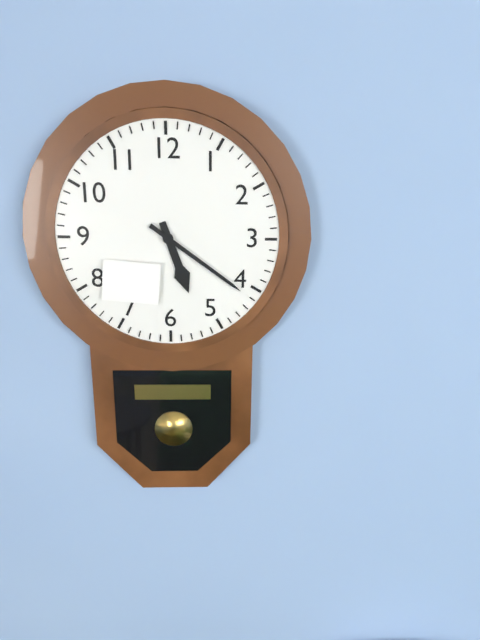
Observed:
5h21
